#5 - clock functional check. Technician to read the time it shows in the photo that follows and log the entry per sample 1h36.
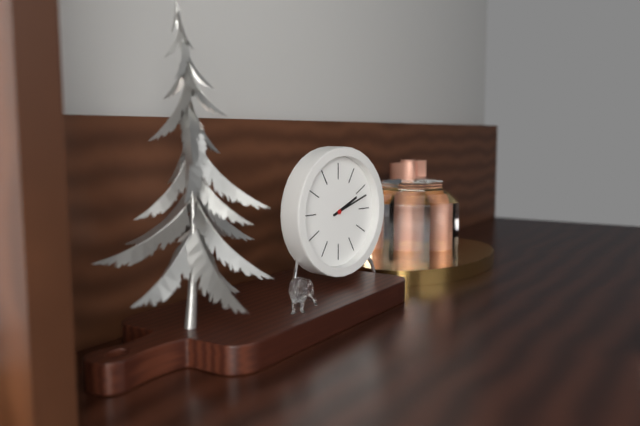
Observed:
2h12
